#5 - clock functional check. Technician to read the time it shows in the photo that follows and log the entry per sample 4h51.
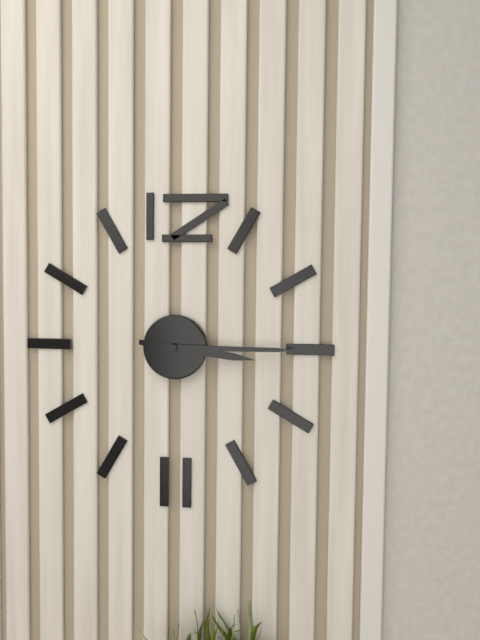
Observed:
3h15
